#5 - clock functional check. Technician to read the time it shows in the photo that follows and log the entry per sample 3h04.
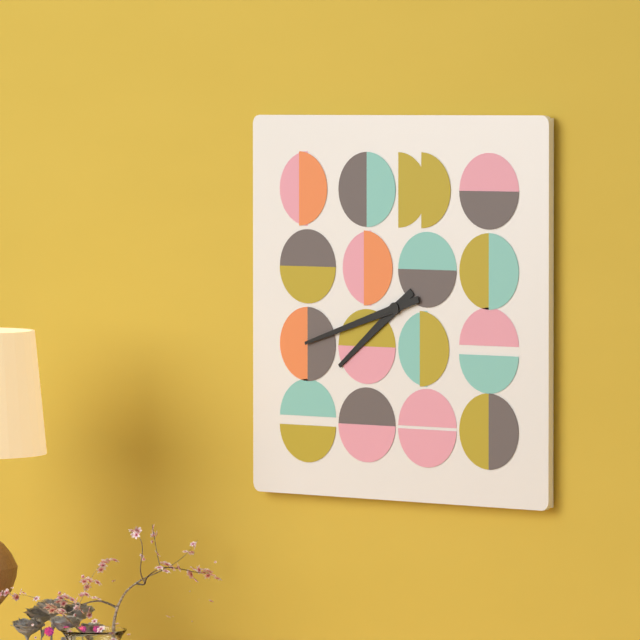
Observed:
7h42
